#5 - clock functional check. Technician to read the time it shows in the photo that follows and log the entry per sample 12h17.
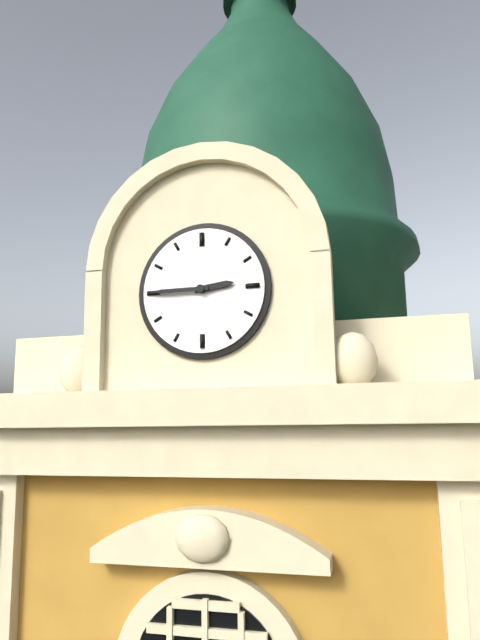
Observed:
2h45
